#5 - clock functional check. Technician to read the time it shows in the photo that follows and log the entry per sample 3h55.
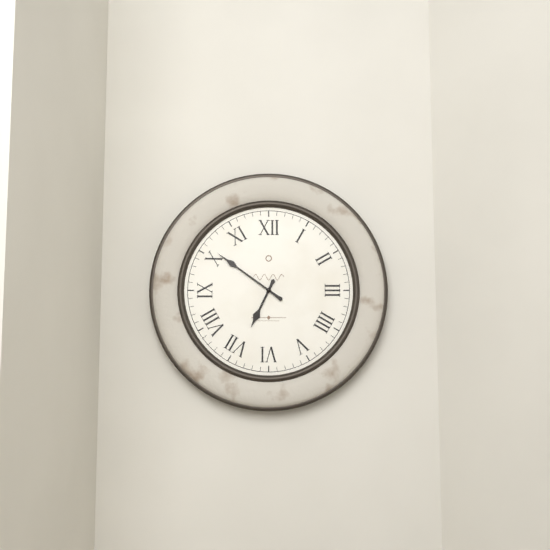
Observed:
6h51
